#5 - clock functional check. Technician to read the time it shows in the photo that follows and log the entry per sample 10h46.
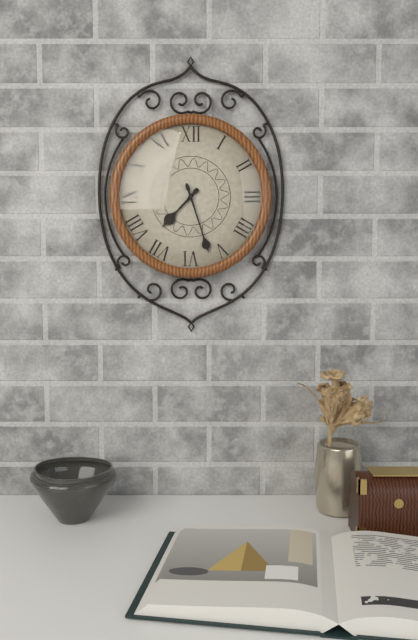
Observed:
7h27
